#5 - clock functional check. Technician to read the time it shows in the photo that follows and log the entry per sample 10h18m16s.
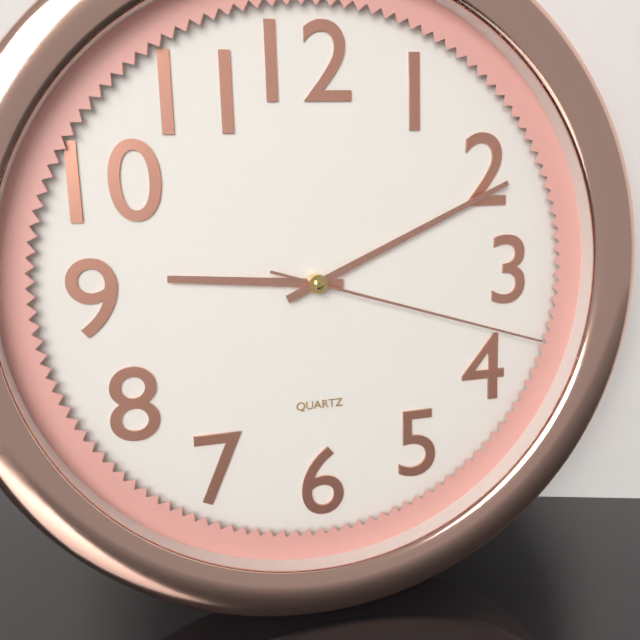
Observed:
9h11m18s
